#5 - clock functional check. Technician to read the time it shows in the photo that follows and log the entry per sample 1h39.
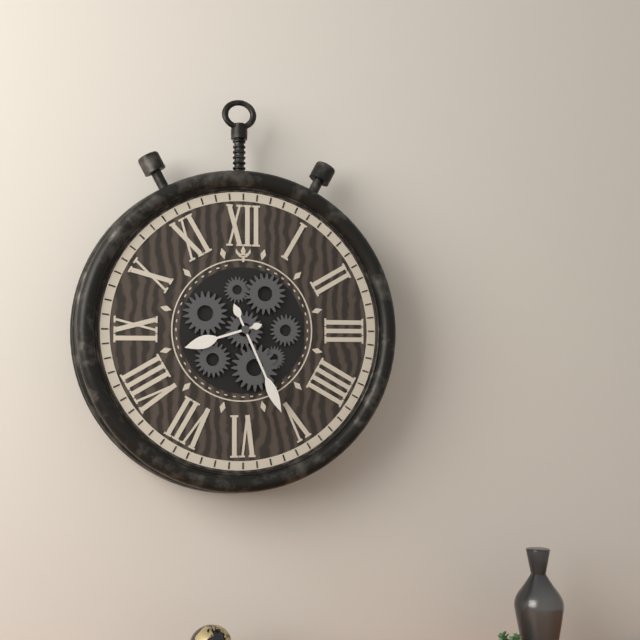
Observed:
8h26
